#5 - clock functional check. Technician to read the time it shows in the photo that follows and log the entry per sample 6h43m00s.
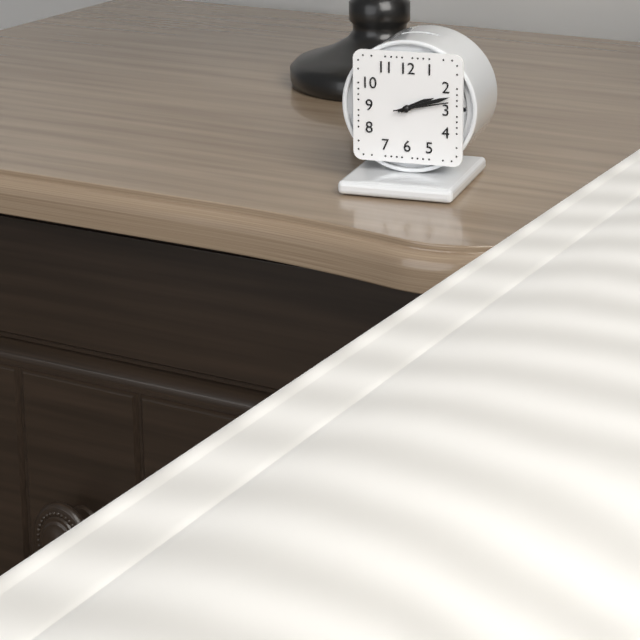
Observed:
2h12m13s
